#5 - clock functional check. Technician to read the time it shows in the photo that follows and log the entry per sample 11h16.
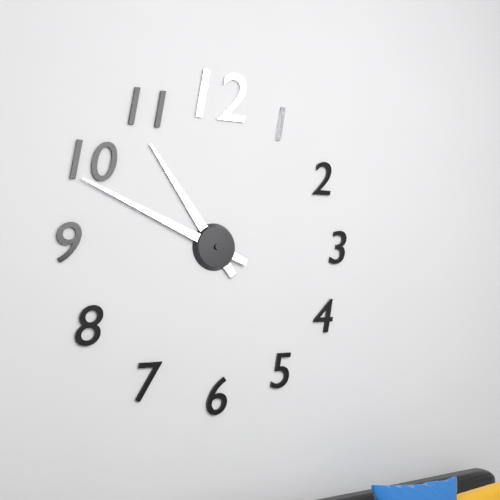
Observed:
10h49
